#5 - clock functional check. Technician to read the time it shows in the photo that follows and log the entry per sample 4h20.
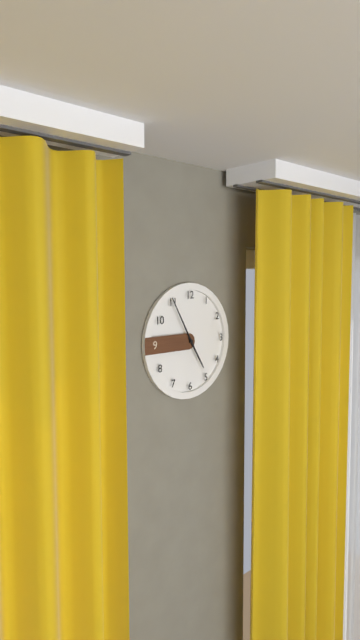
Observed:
4h55
